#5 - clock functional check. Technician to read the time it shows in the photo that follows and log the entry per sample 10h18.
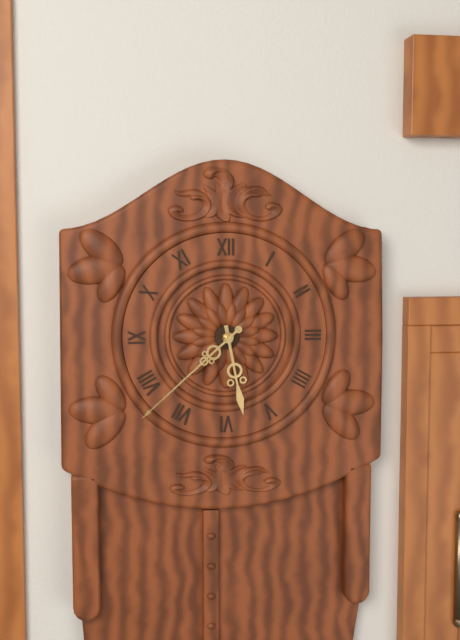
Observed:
5h38
